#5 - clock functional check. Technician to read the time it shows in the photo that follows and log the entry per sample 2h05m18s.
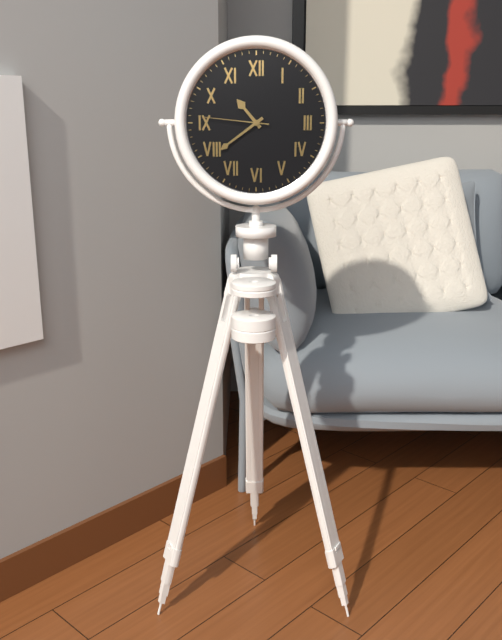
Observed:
10h39m46s
